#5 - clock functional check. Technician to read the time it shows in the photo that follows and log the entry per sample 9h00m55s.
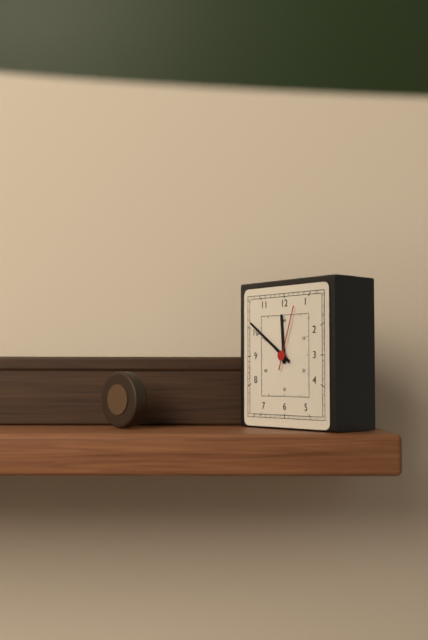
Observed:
11h51m03s
